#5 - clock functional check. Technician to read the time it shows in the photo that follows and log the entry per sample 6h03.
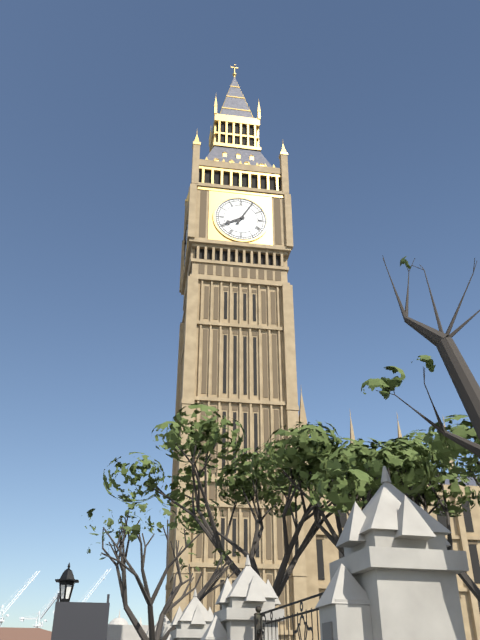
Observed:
8h05
